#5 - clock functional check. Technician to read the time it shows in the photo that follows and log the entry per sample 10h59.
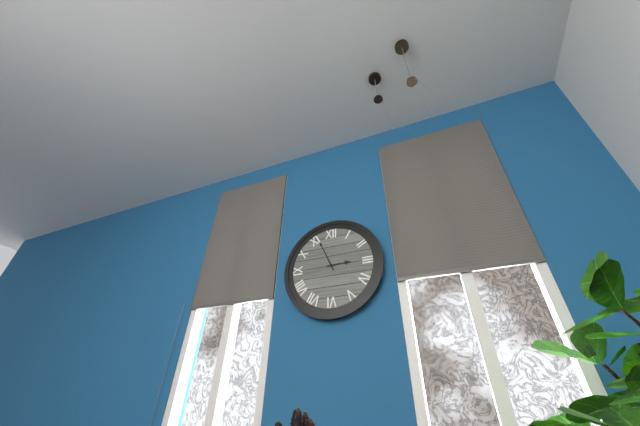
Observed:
2h56
